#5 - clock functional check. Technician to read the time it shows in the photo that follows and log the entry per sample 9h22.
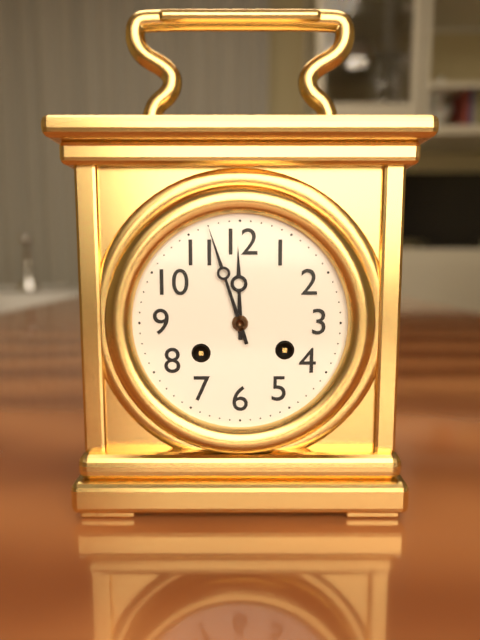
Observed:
11h57
